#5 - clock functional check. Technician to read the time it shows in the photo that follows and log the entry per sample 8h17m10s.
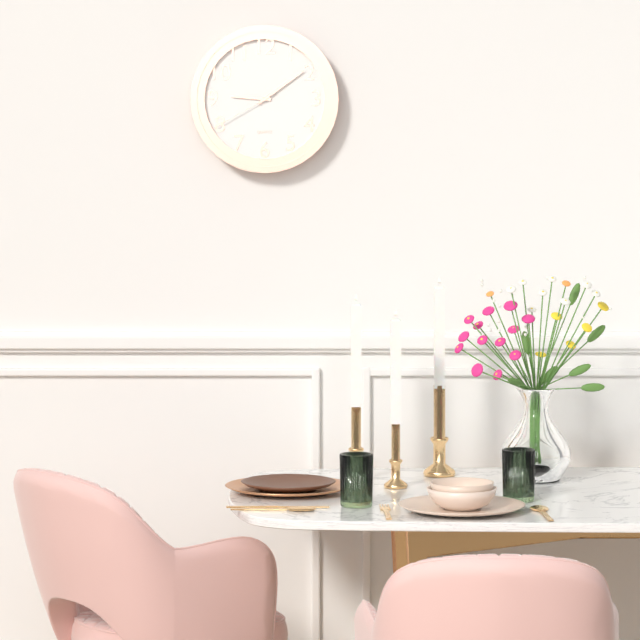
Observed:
9h09m40s
